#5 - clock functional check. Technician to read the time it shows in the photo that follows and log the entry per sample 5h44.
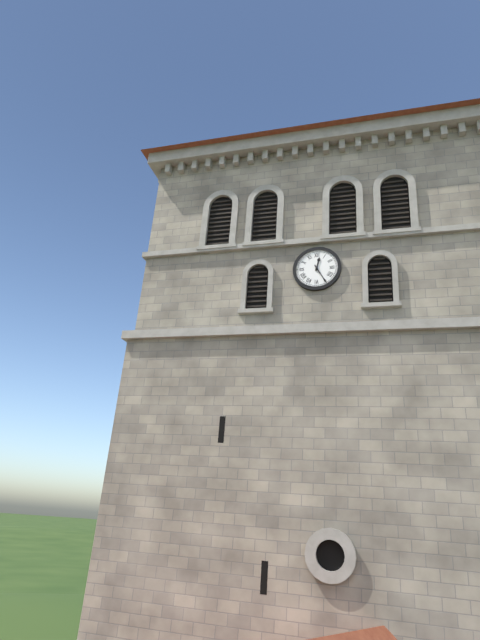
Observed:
12h25
